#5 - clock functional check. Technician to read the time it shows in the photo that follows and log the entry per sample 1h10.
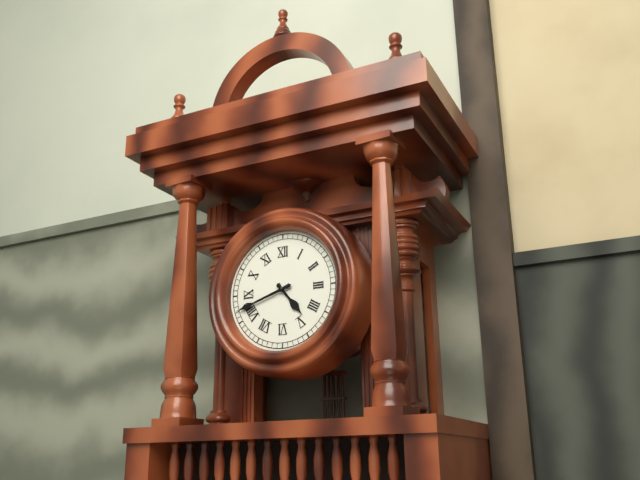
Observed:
4h42
